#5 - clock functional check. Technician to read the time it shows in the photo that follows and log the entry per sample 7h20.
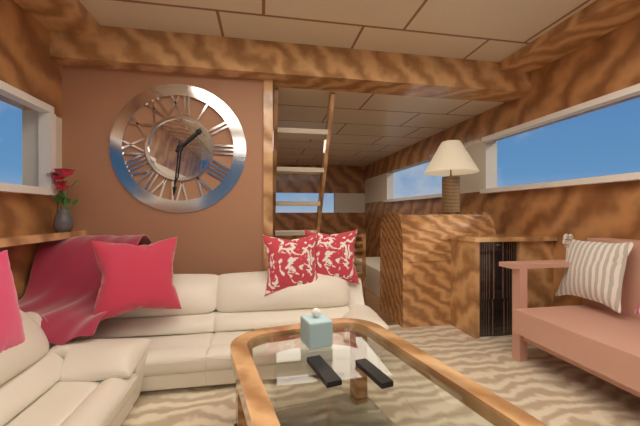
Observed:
1h31
